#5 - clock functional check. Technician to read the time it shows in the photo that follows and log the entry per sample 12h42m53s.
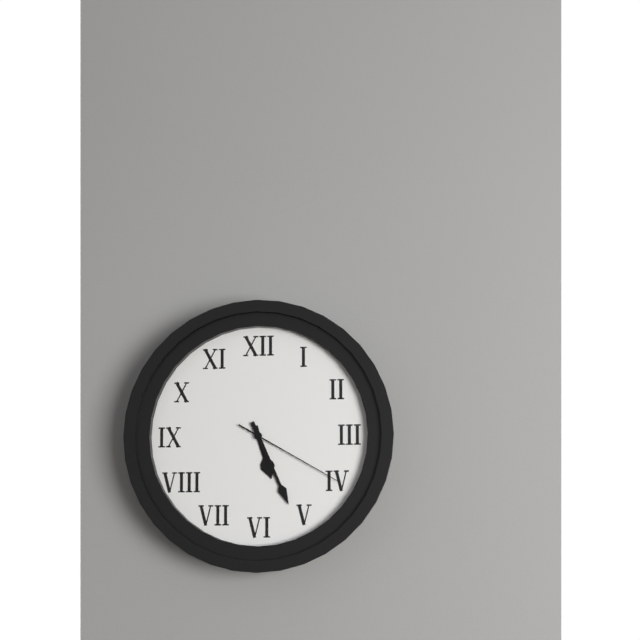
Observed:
5h26m20s
